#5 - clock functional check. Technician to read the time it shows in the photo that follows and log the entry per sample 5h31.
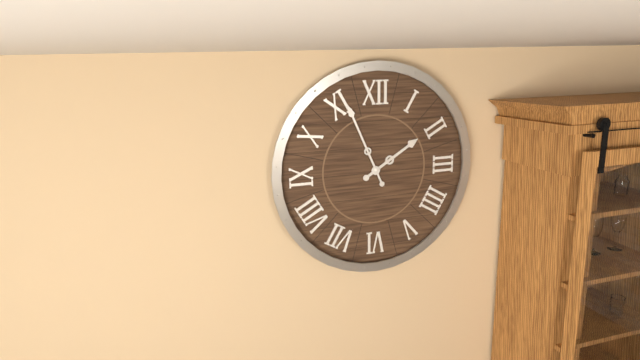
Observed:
1h56
